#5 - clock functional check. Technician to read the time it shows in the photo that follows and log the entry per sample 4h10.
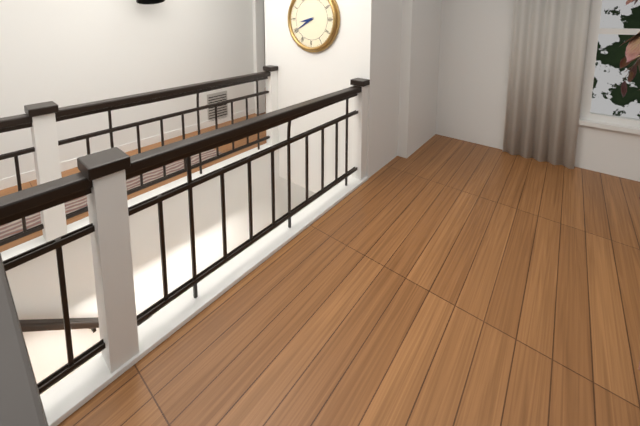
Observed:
8h40
